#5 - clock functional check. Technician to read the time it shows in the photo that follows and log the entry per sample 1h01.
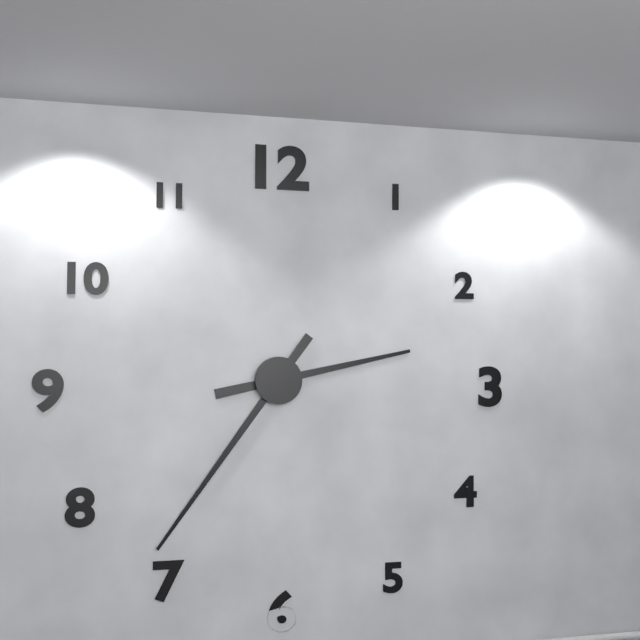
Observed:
2h36
